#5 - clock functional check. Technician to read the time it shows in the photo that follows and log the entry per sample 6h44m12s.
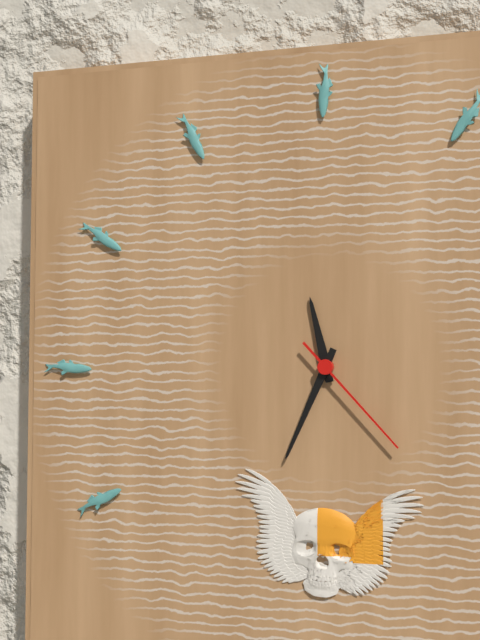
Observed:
11h34m23s
